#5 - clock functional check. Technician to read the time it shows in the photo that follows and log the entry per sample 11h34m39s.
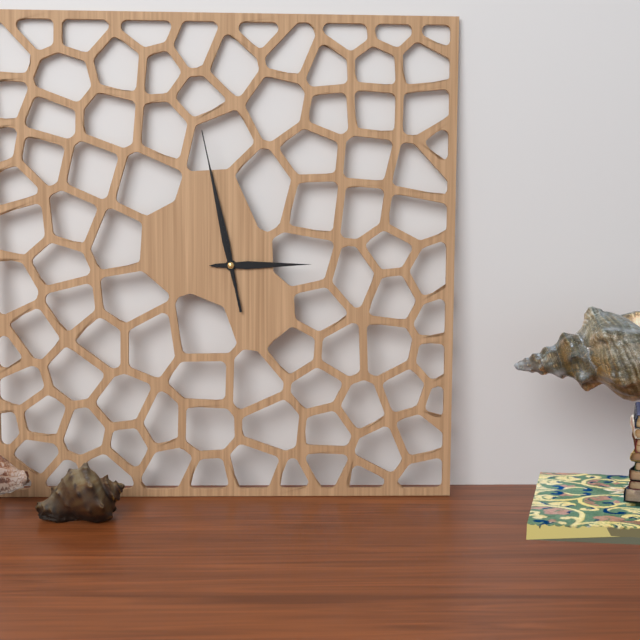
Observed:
2h58m58s
